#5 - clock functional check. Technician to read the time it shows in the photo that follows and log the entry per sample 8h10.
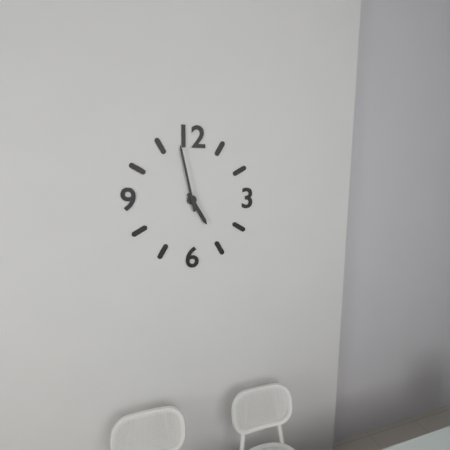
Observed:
4h58
